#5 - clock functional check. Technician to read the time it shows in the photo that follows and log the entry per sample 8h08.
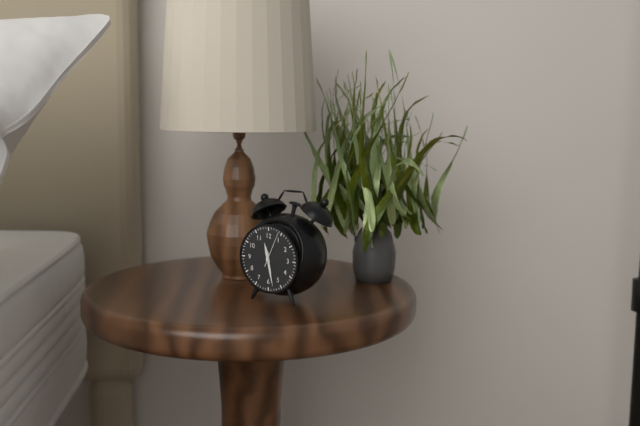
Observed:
11h28
